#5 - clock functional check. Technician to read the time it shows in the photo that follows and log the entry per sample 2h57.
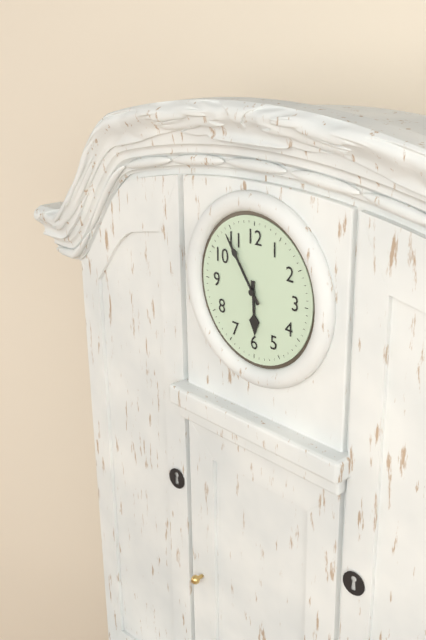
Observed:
5h54
